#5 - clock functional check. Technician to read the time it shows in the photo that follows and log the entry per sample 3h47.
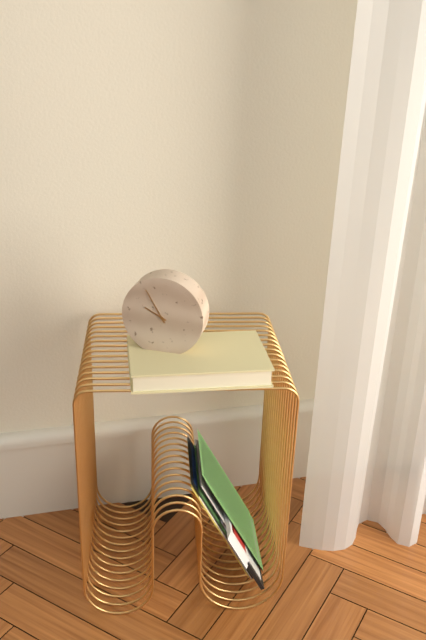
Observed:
9h55
